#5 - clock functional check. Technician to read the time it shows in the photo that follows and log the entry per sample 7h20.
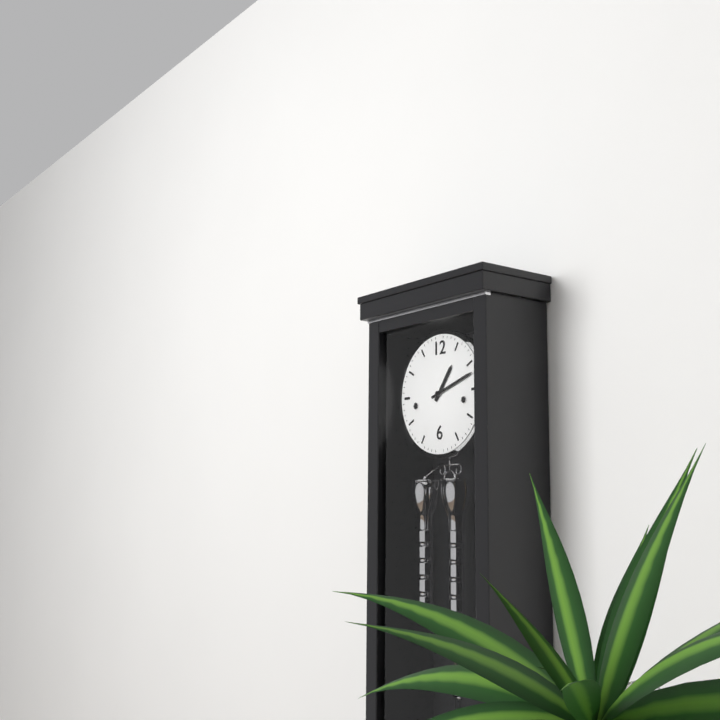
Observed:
1h12
